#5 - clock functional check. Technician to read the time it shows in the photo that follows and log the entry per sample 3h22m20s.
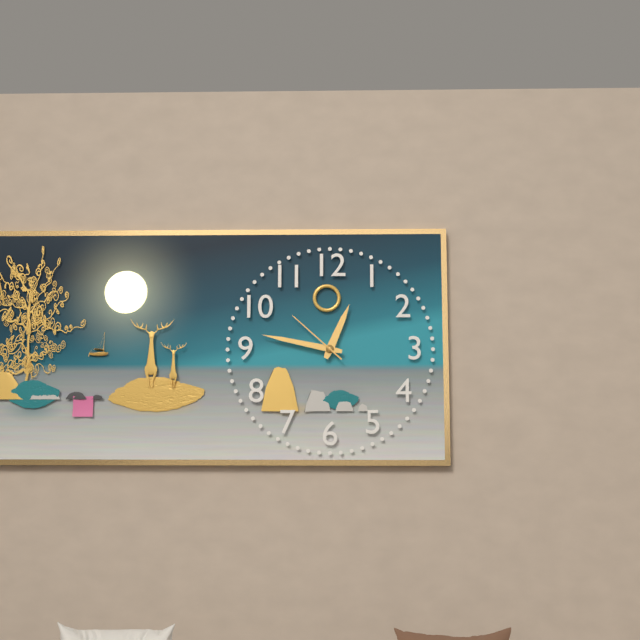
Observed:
12h47m52s
